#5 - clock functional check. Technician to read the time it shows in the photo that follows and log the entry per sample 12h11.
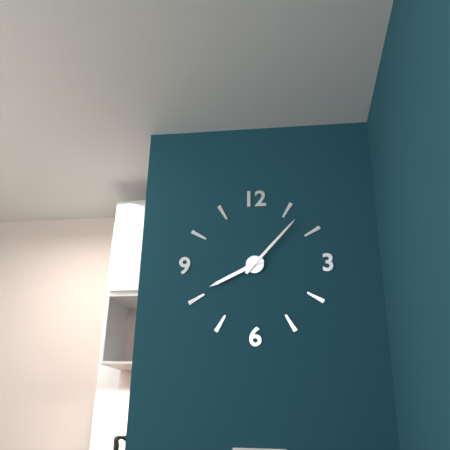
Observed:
8h07
